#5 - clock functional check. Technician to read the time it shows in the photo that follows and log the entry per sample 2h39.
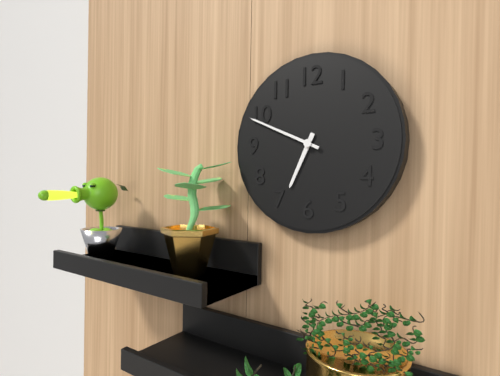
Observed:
6h49
